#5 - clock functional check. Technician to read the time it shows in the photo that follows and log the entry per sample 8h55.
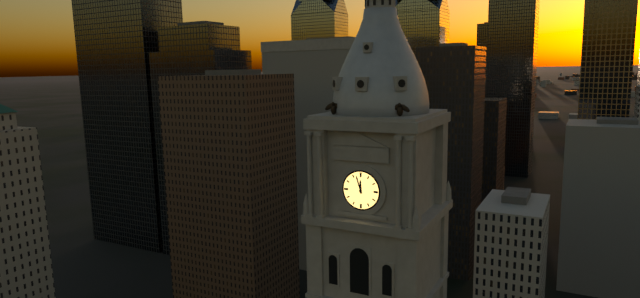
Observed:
11h57
